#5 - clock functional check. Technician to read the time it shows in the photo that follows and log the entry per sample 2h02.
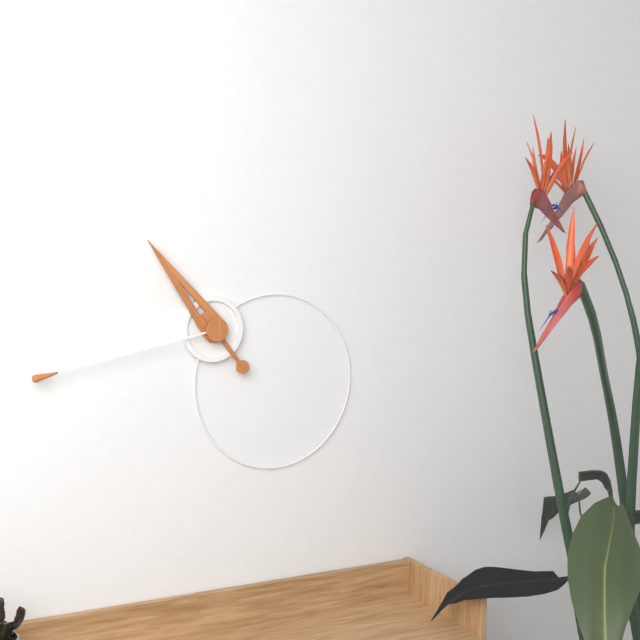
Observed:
10h43
